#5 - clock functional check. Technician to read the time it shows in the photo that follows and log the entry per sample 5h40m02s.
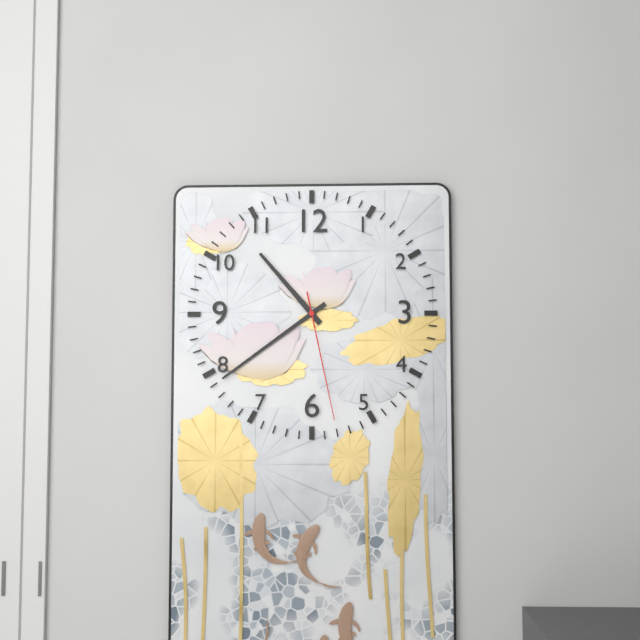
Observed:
10h39m28s
